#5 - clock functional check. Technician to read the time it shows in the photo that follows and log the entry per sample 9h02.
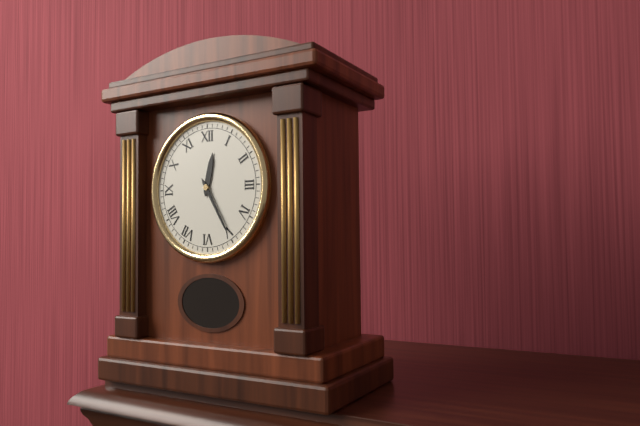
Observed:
12h25
